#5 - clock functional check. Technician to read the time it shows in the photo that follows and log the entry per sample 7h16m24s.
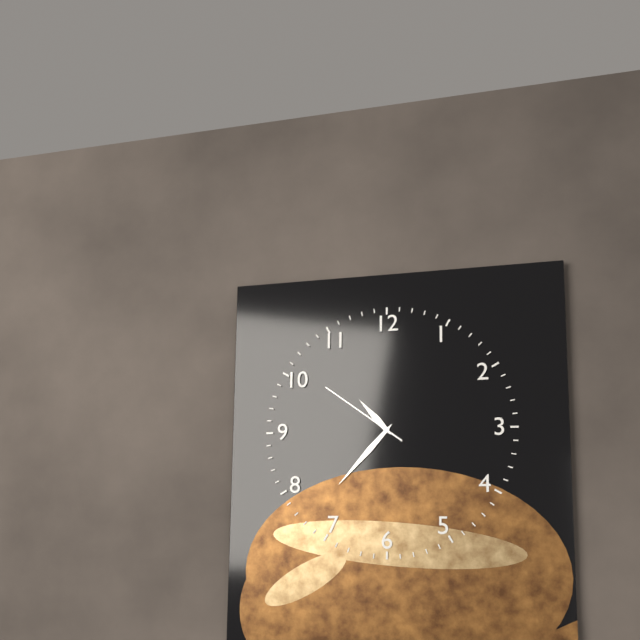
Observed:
10h37m51s
